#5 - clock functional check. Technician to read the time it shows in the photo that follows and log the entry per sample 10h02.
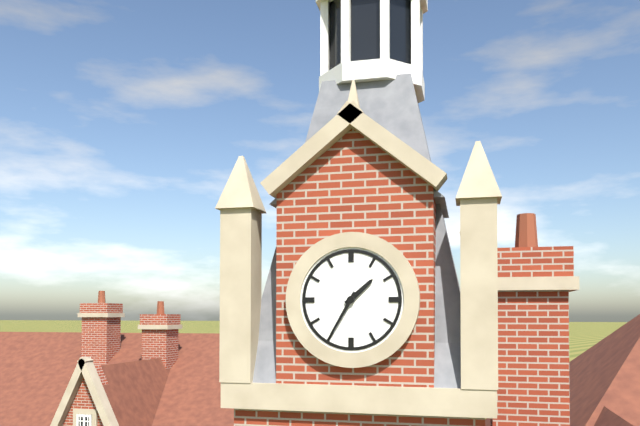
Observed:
1h35
